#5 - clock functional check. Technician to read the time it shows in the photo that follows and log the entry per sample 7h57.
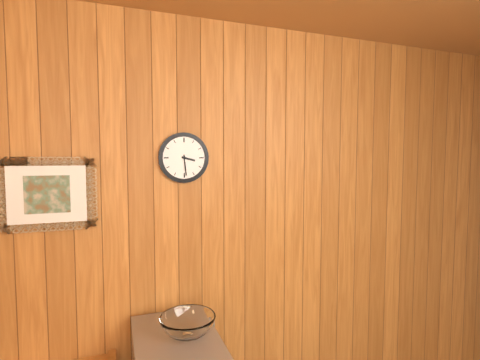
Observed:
3h29
